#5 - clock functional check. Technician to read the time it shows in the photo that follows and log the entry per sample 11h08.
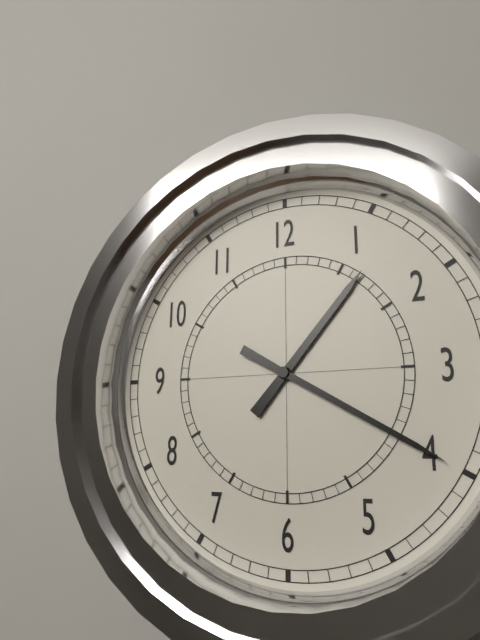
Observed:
1h20
